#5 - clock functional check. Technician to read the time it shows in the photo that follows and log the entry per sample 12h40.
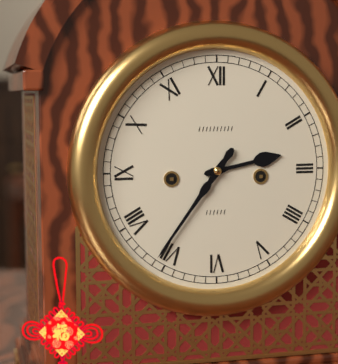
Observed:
2h36
